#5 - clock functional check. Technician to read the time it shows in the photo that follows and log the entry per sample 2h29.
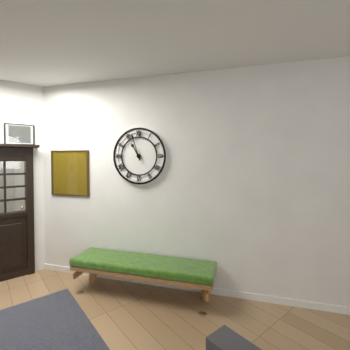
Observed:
10h57
